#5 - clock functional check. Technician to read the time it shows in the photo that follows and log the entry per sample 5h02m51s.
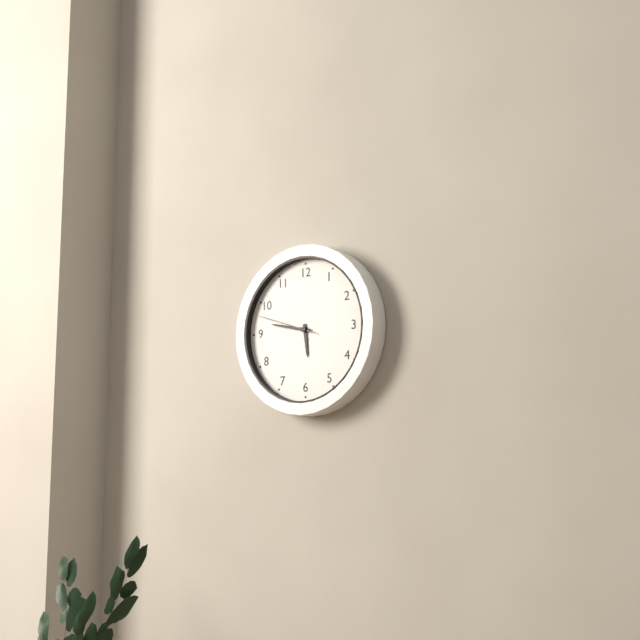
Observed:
5h47m48s
